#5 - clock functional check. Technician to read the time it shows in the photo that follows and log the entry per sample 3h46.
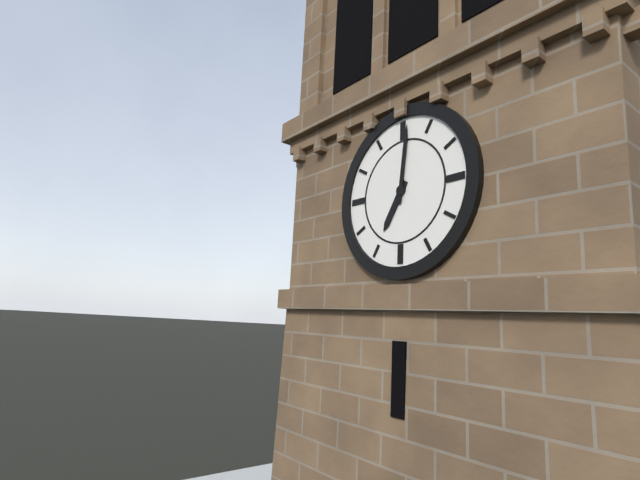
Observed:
7h01
